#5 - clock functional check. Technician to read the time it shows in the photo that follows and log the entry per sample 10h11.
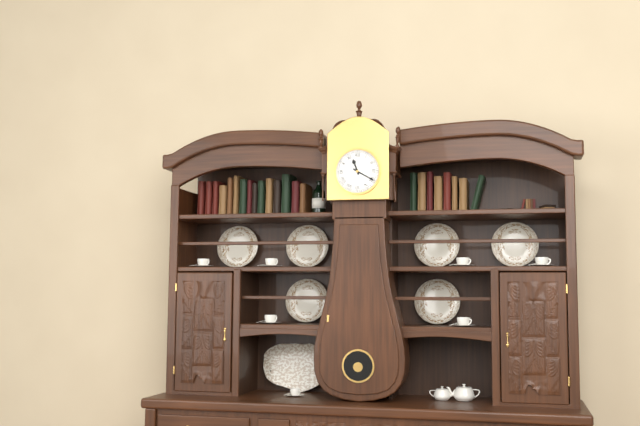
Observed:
11h20
